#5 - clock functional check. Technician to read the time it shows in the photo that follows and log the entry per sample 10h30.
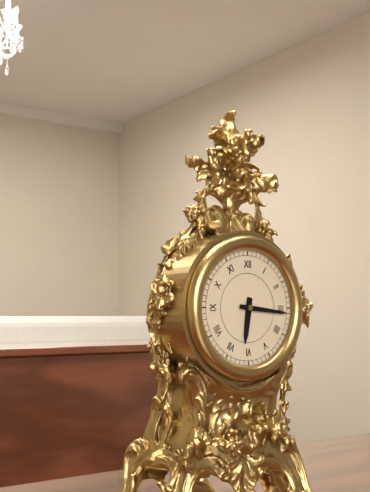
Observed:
6h16
